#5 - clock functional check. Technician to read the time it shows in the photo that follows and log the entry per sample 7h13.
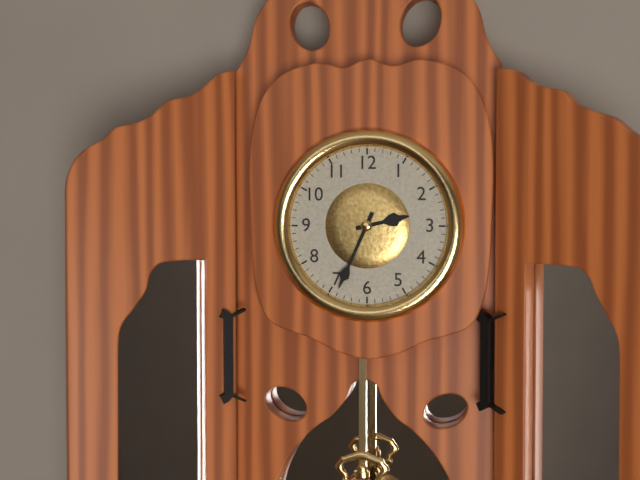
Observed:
2h34
